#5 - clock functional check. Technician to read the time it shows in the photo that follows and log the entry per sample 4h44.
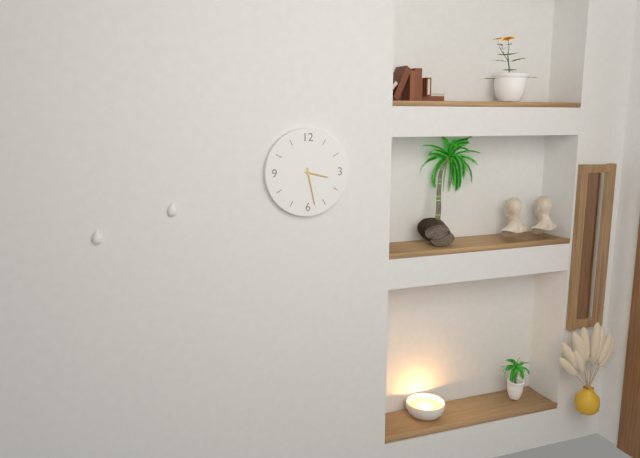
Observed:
3h28
